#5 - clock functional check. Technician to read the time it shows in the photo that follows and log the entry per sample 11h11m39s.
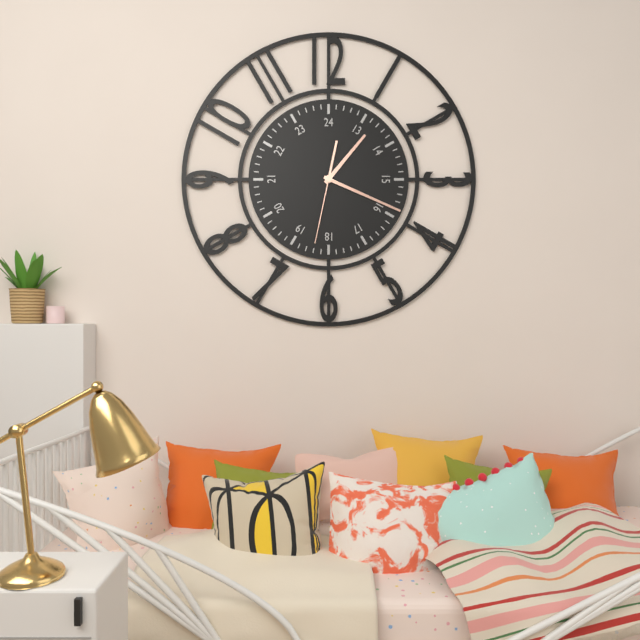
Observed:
1h19m32s
